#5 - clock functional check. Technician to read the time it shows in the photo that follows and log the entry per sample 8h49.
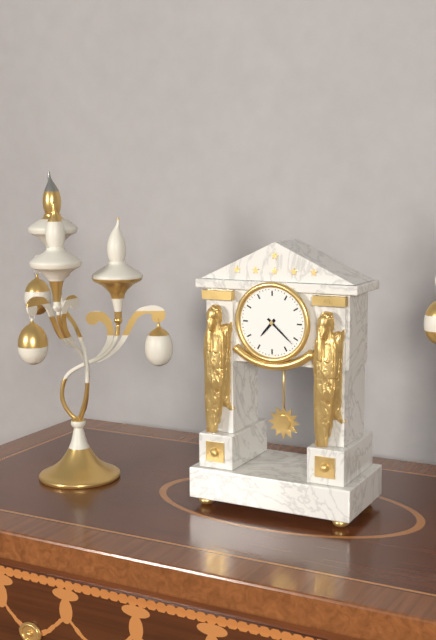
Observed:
7h22
